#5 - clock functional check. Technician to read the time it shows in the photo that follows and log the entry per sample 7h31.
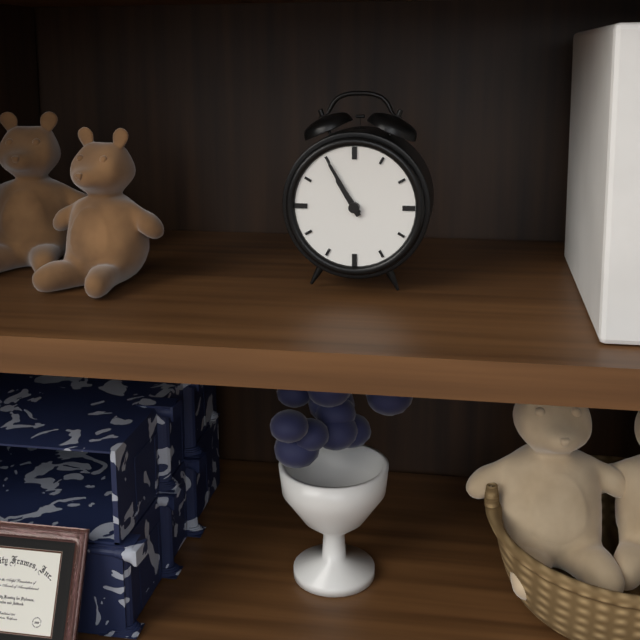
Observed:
10h55
